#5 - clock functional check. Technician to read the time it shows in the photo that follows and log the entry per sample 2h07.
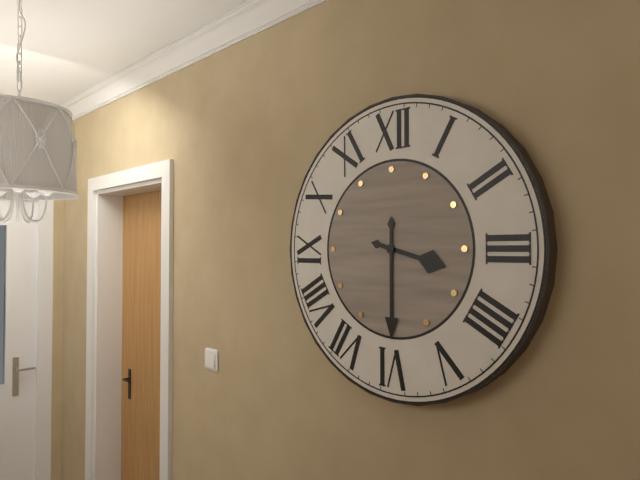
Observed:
3h30
